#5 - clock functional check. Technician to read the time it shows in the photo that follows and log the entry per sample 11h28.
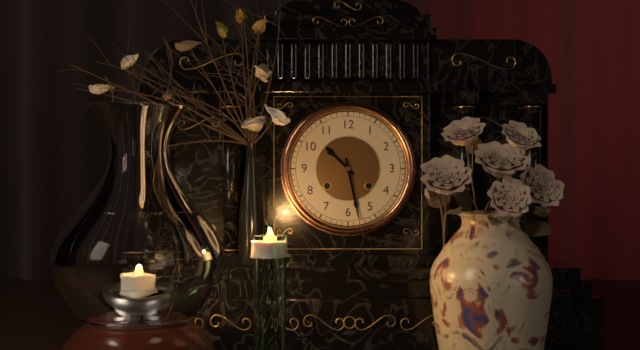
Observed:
10h28
